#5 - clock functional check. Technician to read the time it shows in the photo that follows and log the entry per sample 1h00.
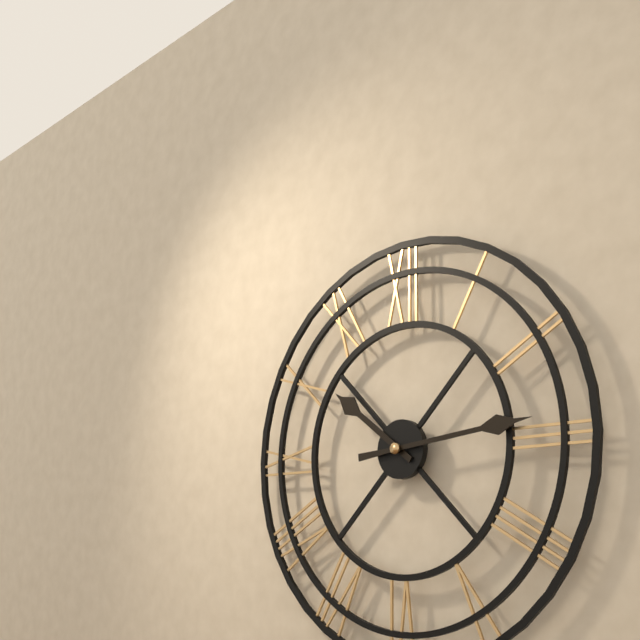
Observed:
10h14
